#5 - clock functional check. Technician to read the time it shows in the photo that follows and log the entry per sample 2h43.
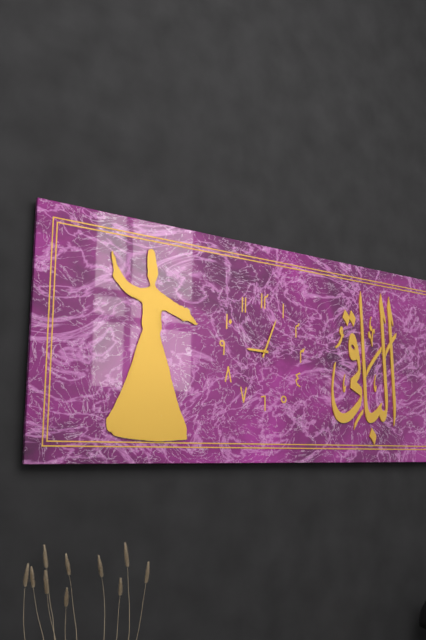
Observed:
9h04
